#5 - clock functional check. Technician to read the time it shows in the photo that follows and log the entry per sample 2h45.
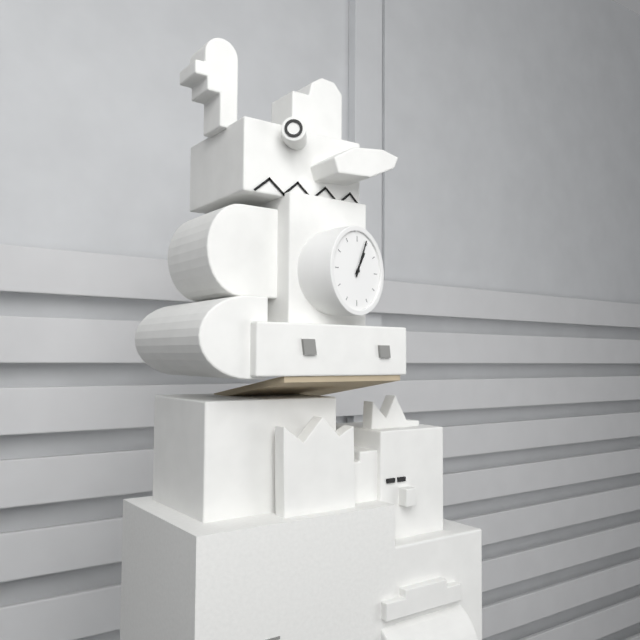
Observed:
1h04
